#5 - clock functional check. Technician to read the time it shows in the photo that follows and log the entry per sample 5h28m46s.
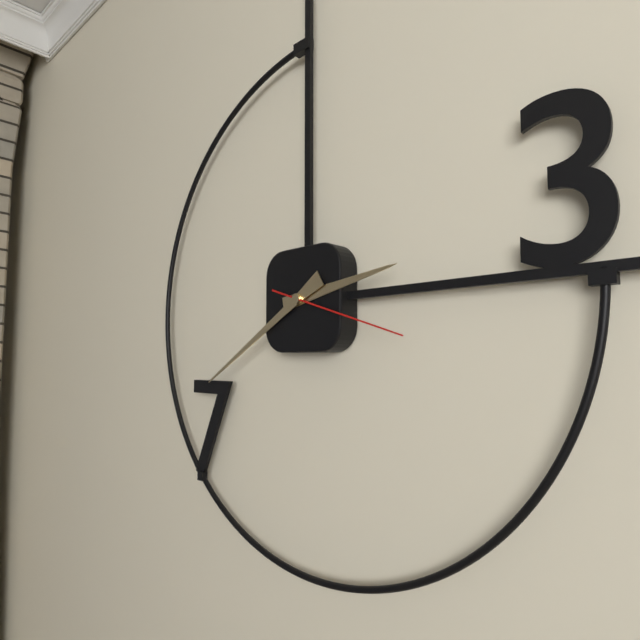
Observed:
2h40m18s
